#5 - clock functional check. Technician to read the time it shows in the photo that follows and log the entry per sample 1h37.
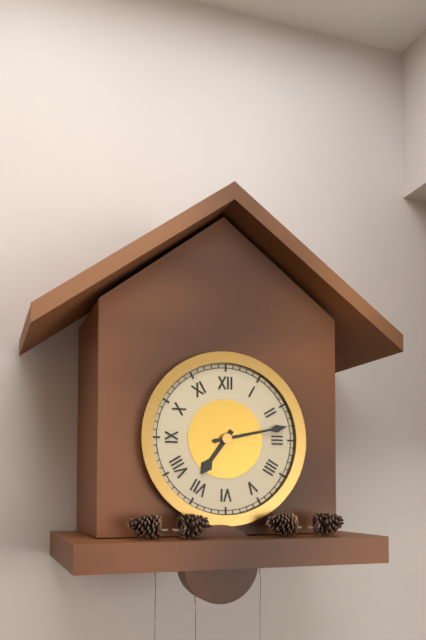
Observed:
7h13
